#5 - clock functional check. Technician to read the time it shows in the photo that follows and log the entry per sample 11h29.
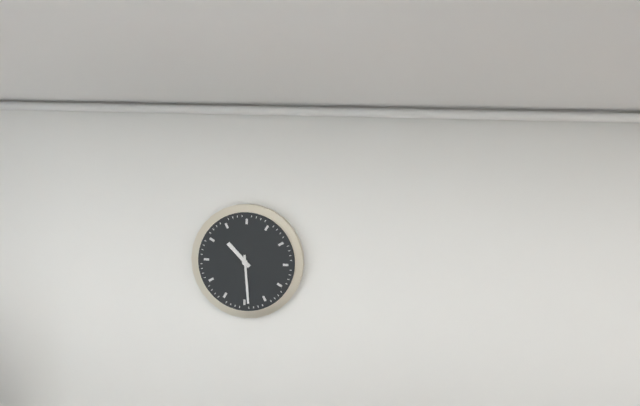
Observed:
10h29
